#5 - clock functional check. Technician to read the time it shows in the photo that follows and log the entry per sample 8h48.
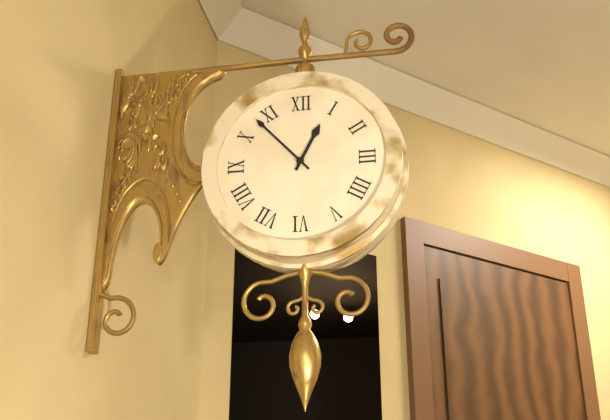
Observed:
12h53
